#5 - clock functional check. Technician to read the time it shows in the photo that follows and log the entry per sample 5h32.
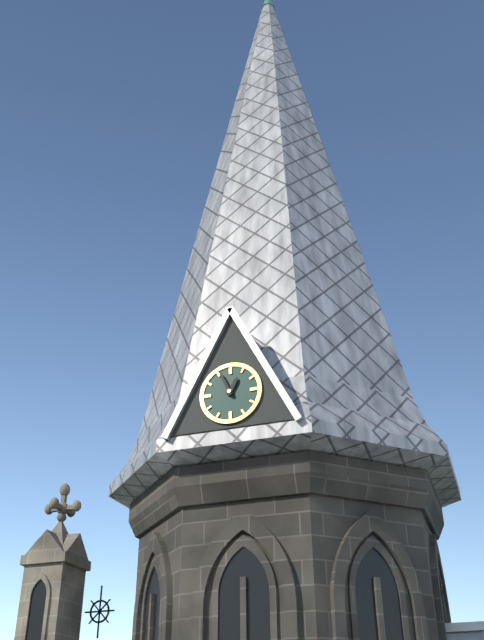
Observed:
12h56
